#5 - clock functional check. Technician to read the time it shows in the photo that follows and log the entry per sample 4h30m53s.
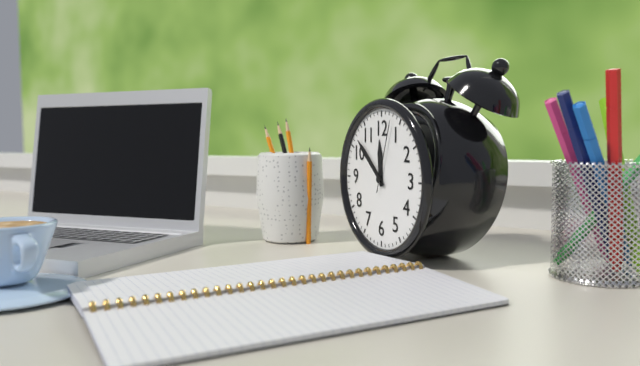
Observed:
11h52m03s
